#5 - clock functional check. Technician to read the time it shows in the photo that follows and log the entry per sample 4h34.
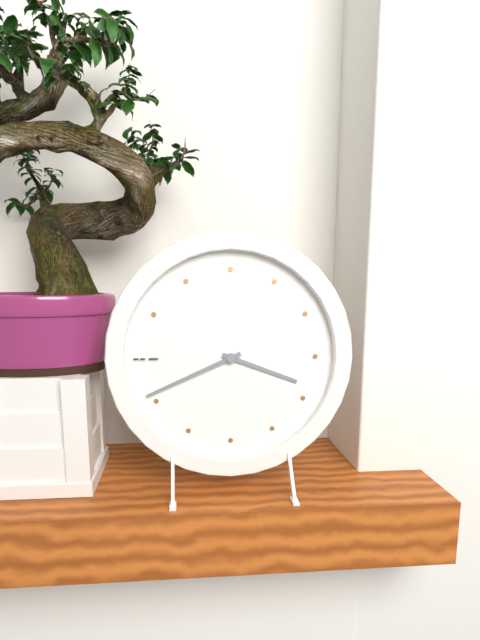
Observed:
3h41
